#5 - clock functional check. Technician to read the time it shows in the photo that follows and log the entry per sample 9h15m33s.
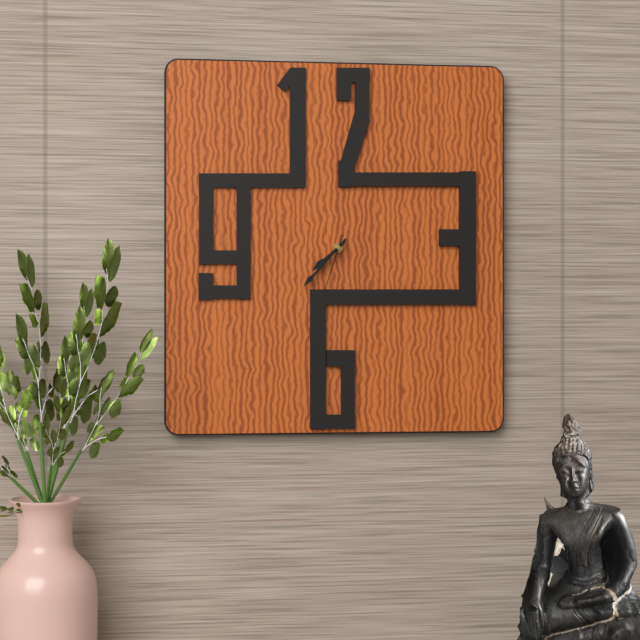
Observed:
7h37m33s
